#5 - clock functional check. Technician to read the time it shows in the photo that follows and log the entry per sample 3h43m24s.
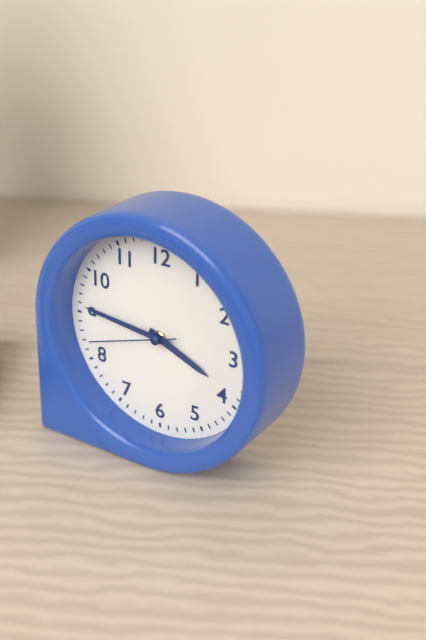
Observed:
3h46m42s
